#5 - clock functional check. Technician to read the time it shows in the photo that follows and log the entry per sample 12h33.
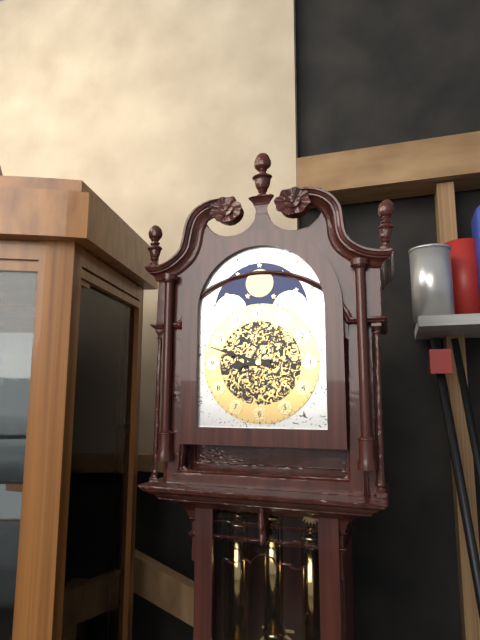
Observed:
8h48
